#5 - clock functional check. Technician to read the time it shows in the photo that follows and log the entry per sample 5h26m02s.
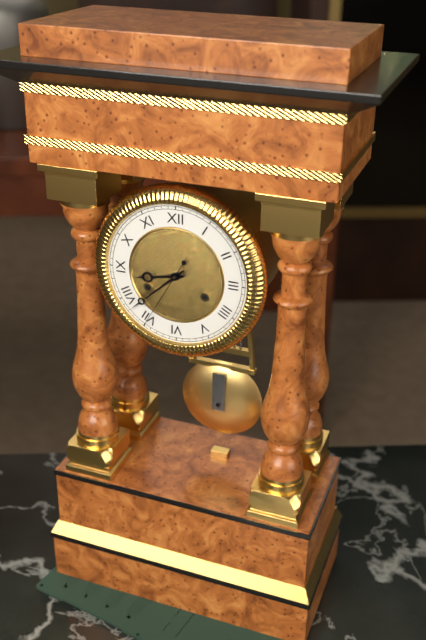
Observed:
8h38m35s
